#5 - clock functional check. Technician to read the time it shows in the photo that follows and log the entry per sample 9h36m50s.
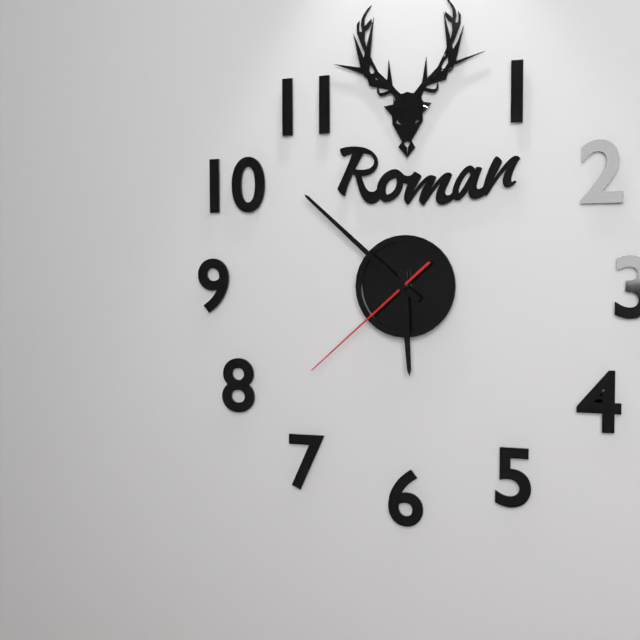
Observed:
5h52m38s
